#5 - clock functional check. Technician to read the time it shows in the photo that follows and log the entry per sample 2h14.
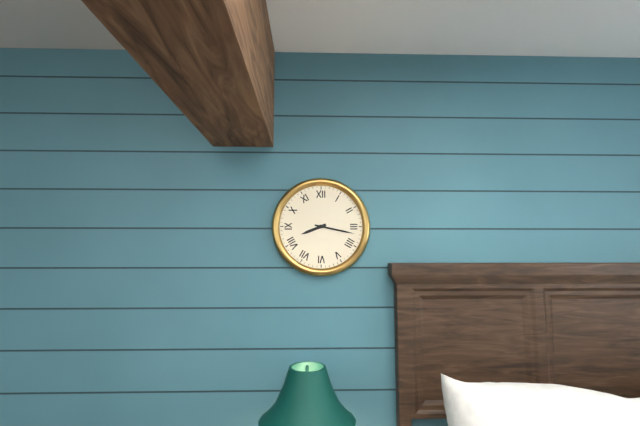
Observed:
8h17
